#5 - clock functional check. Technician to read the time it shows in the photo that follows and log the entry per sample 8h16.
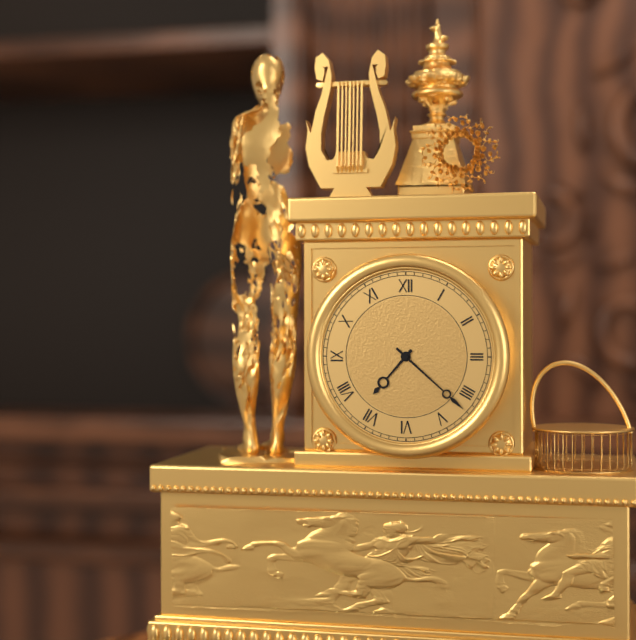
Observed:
7h22
